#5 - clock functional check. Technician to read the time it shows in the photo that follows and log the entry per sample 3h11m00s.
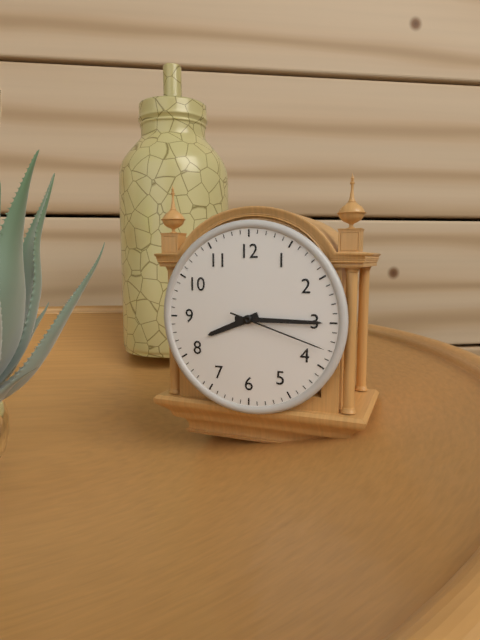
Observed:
8h15m18s
